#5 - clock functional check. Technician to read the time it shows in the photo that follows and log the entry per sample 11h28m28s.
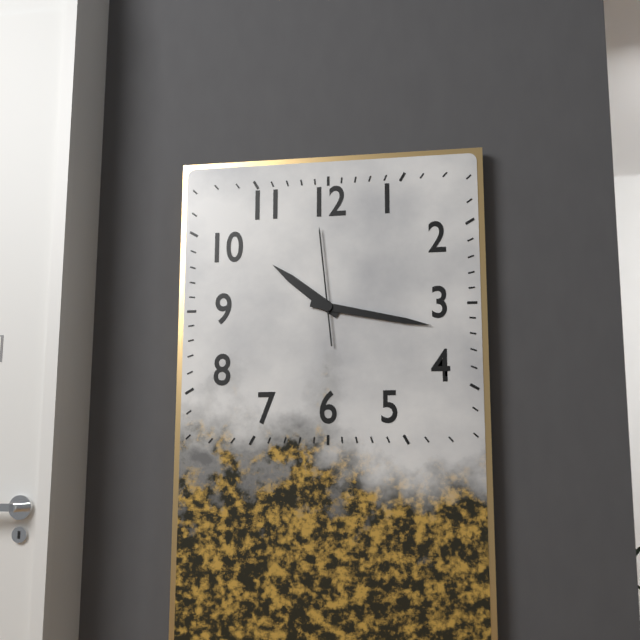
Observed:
10h17m59s
